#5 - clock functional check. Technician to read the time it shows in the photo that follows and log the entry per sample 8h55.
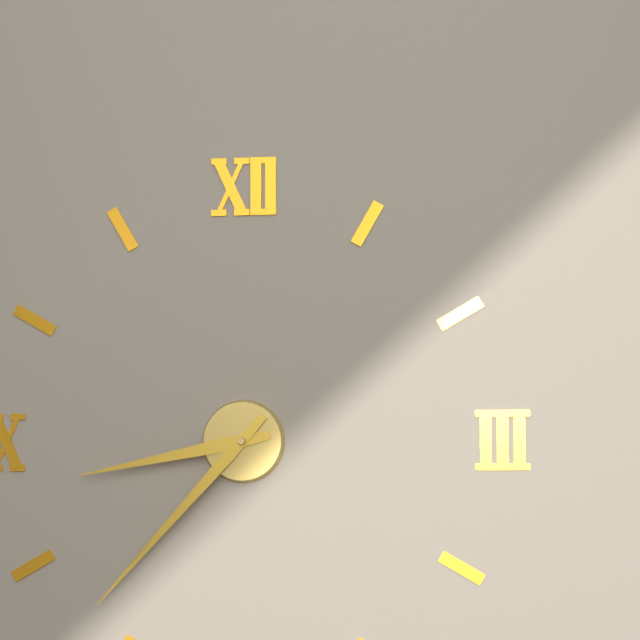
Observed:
8h37
